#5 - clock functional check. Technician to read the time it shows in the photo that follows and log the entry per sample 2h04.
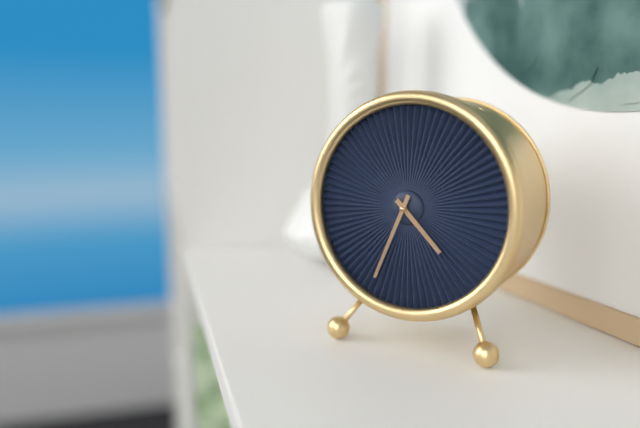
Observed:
4h34
